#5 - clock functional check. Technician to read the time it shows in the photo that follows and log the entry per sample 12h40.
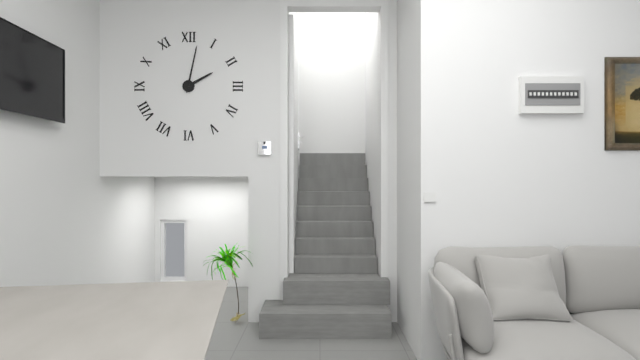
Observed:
2h02
